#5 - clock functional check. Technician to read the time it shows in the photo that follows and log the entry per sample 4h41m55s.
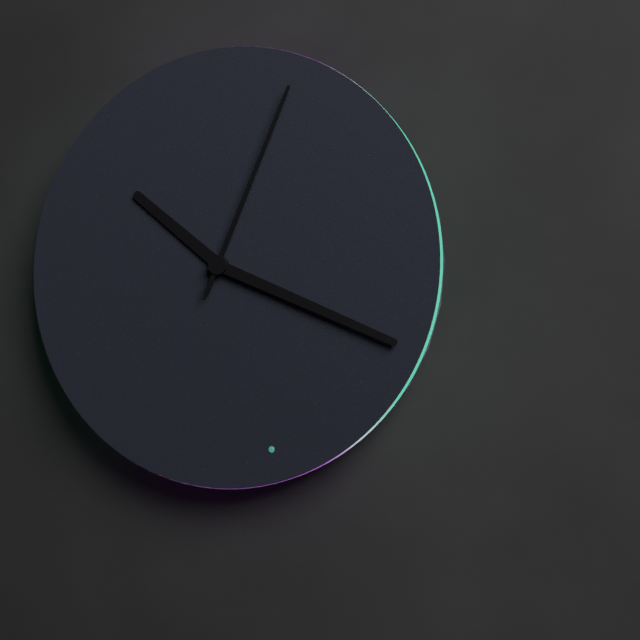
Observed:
10h19m04s
